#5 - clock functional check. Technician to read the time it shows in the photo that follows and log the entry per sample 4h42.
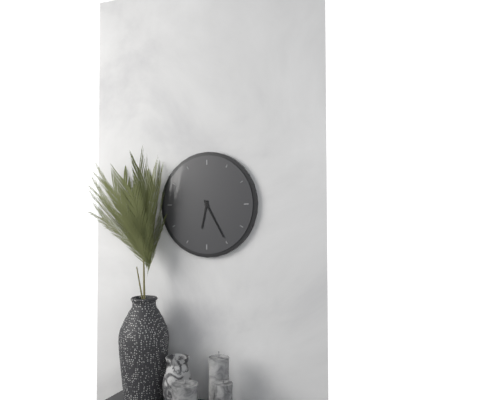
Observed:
6h25
